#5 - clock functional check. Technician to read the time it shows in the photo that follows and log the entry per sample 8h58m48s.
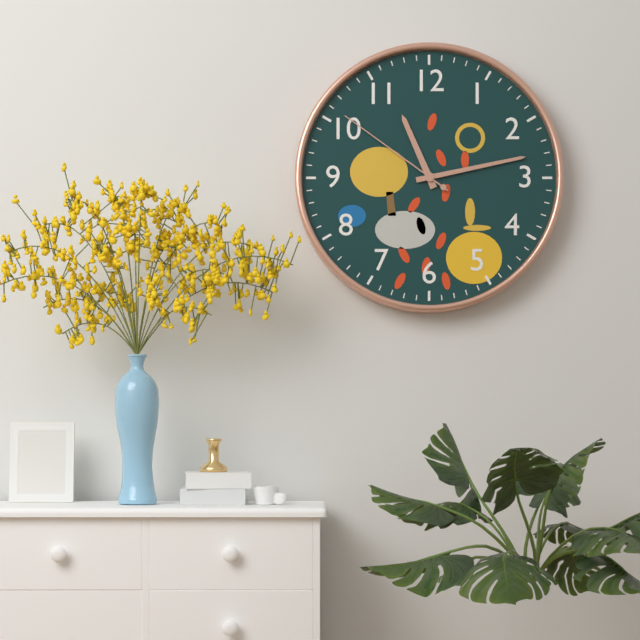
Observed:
11h13m51s
